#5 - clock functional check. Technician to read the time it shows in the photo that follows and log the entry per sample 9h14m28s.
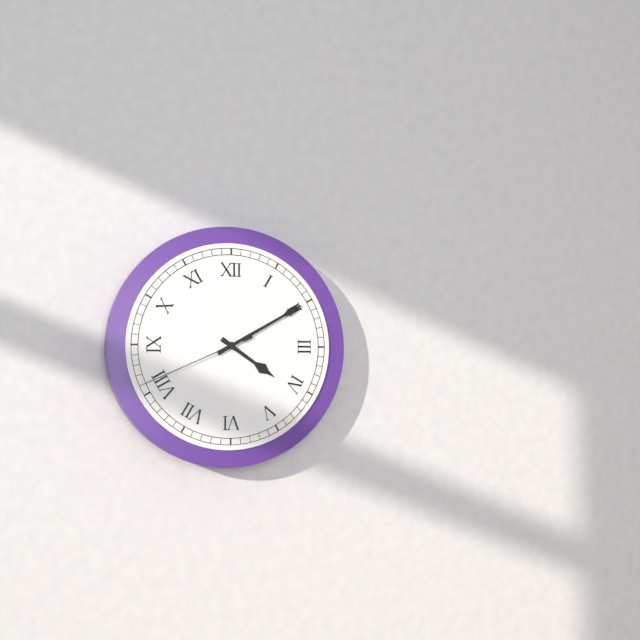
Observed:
4h10m41s
